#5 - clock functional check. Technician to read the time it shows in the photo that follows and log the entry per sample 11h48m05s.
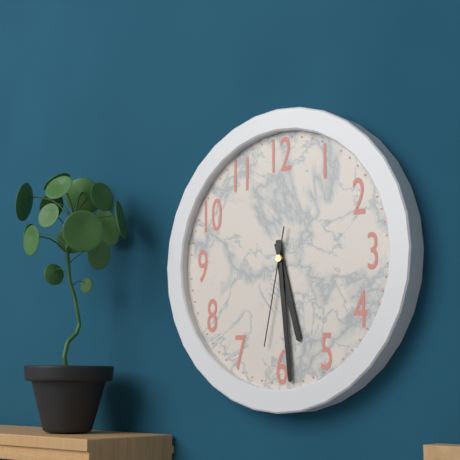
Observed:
5h29m32s
